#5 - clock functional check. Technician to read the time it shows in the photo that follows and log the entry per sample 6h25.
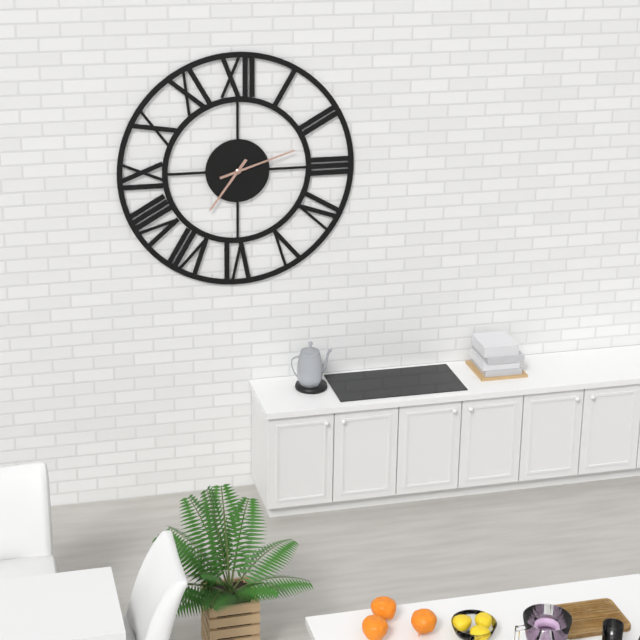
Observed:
7h12
